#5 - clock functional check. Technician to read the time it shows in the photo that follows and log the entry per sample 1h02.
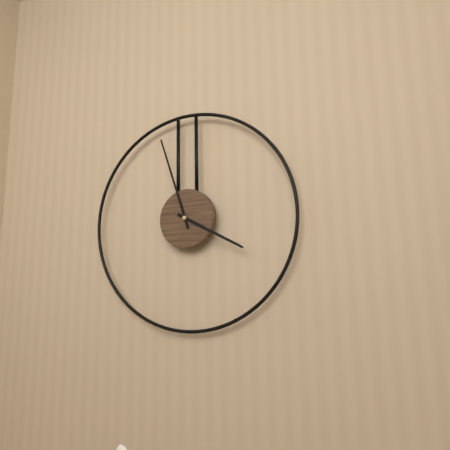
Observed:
3h57
